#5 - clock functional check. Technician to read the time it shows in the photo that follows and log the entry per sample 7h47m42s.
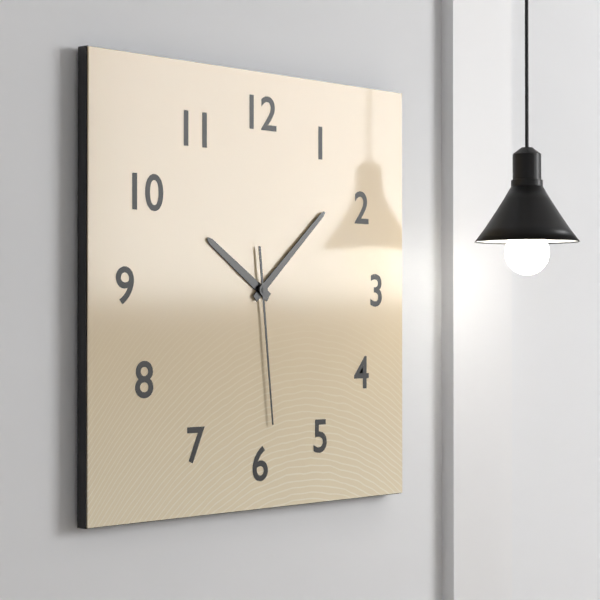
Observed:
10h08m29s
